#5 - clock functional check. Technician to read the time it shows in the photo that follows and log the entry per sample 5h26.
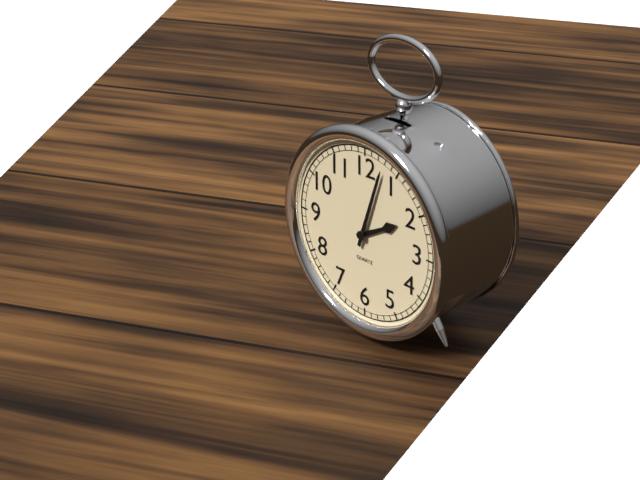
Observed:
2h03
